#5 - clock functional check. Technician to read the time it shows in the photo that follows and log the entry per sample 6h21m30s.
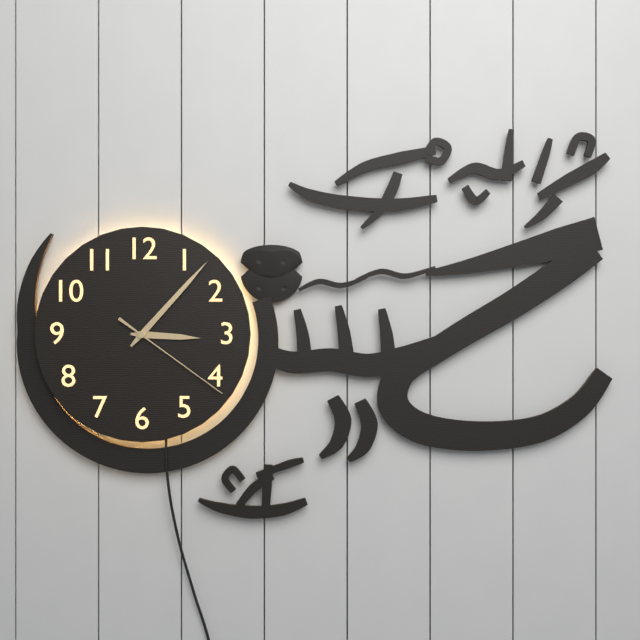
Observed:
3h07m21s
